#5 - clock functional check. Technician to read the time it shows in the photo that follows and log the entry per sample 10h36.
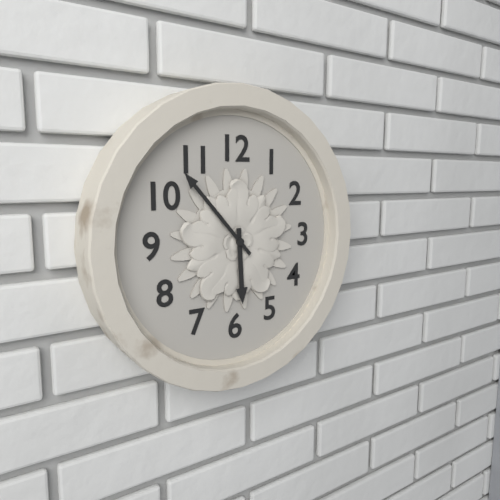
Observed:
5h53
